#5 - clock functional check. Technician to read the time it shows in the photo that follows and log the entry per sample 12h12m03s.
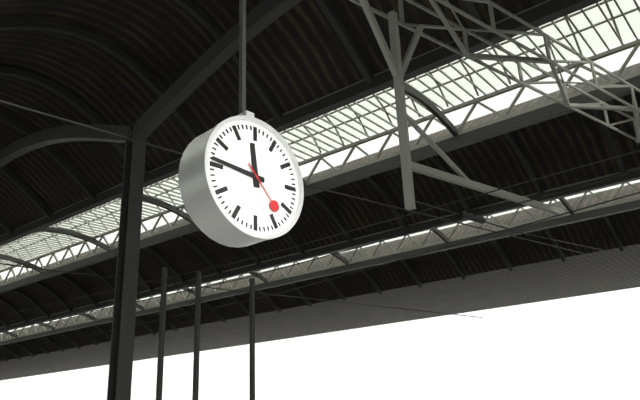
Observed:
11h46m23s
